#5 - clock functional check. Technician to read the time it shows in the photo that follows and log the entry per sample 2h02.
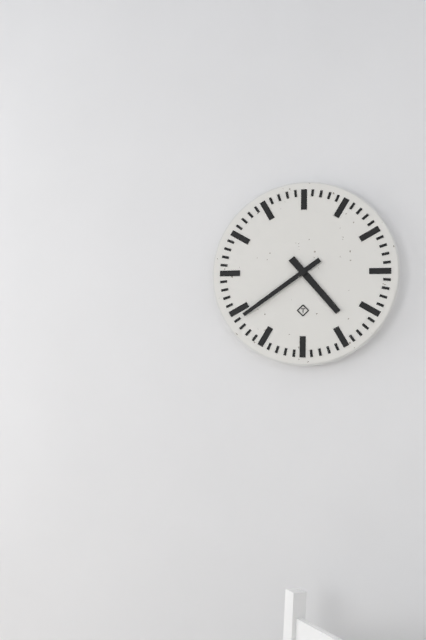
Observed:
4h39
